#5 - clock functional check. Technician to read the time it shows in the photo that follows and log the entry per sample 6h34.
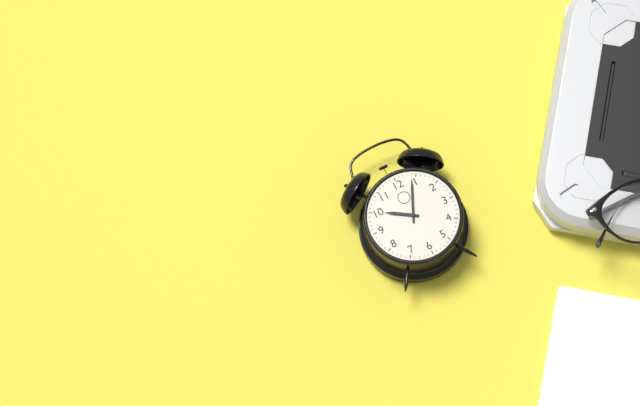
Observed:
10h04
